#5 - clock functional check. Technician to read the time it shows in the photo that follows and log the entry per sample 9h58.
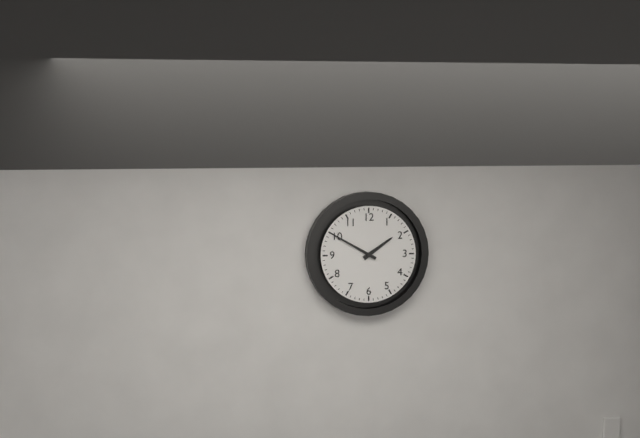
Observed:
1h50
